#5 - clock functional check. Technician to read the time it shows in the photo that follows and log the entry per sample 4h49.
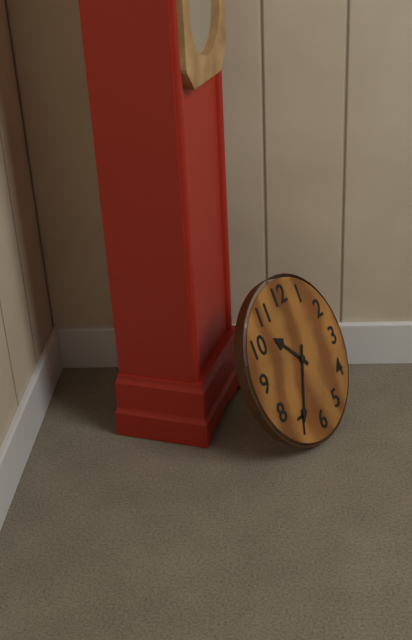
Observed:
10h35
